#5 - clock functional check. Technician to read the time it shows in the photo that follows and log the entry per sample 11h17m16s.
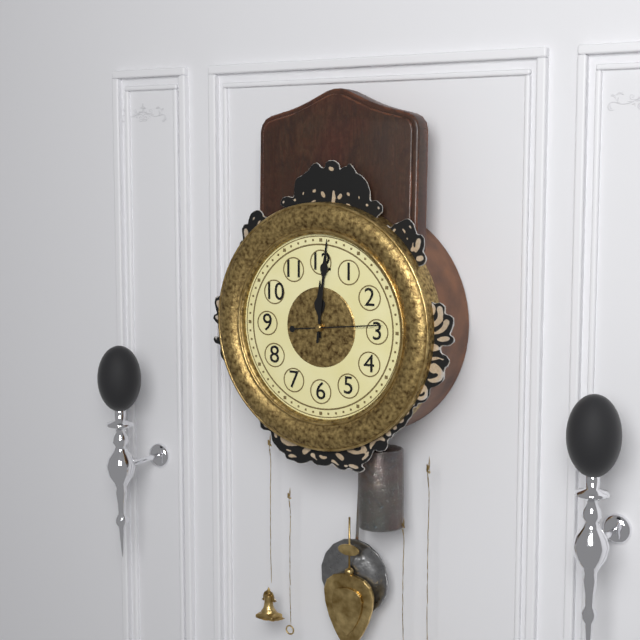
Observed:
12h01m14s
